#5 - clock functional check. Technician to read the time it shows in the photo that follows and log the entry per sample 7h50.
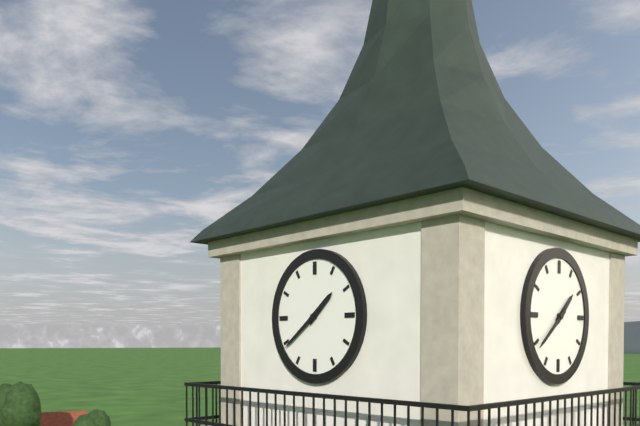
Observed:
1h39
